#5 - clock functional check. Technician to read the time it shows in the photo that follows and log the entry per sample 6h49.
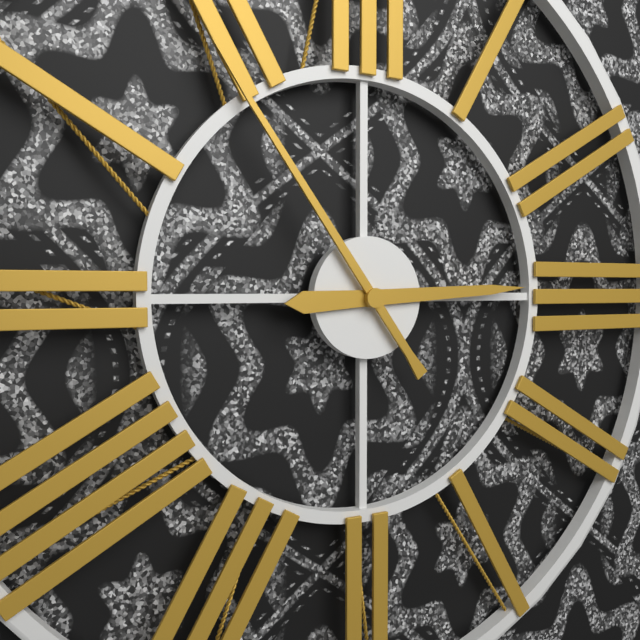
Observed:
2h54
